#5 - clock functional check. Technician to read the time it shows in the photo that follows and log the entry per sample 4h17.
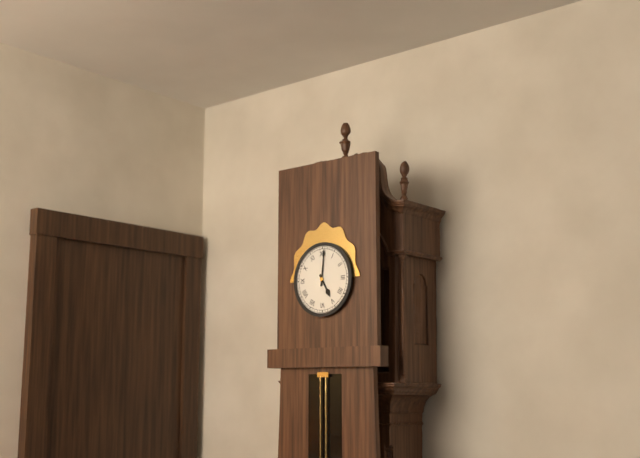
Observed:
5h01
